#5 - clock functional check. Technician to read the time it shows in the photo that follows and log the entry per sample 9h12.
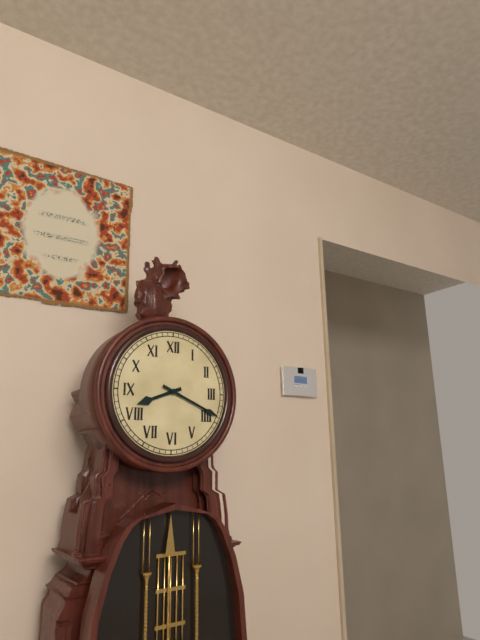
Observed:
8h19
